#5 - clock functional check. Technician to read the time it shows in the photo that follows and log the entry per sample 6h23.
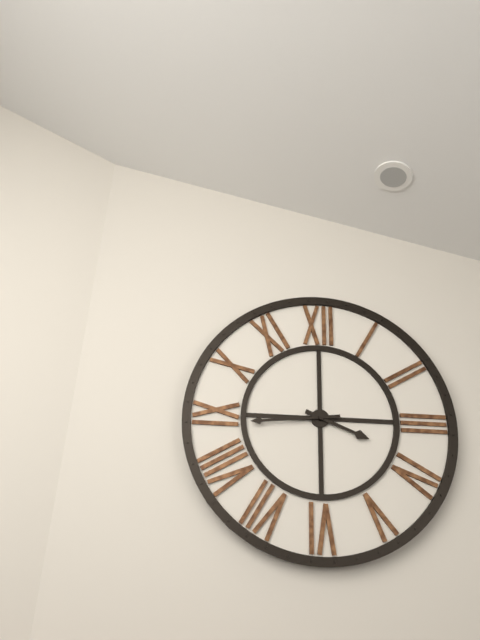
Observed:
3h44
